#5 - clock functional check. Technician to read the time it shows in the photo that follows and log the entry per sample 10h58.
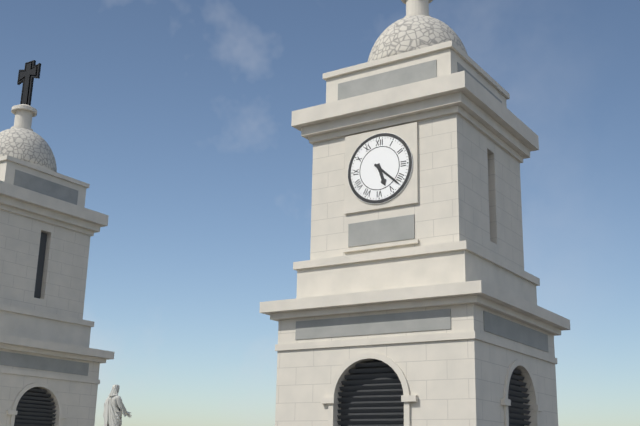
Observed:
5h22
